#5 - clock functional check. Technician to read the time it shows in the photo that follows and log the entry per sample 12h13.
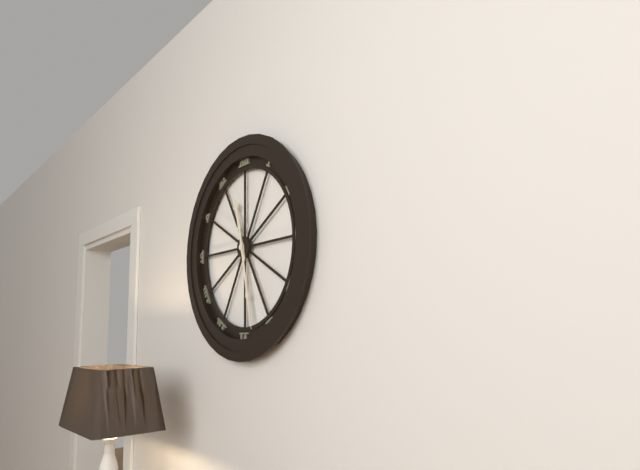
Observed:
11h28
